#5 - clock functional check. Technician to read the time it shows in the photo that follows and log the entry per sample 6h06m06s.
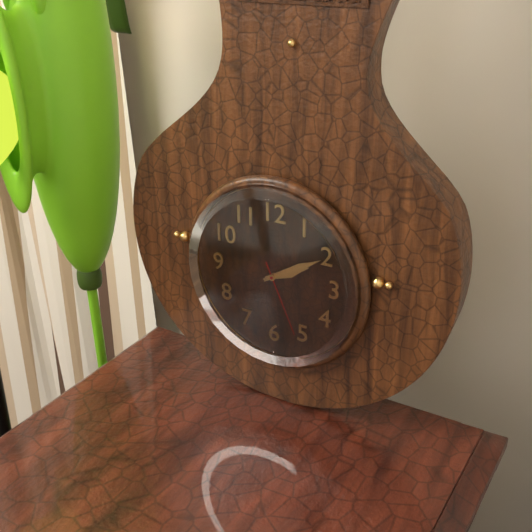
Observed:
2h10m26s
